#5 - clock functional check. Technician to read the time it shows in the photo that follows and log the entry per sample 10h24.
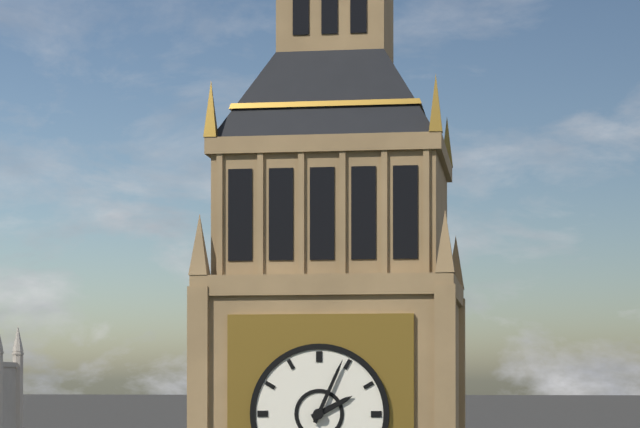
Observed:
2h04
